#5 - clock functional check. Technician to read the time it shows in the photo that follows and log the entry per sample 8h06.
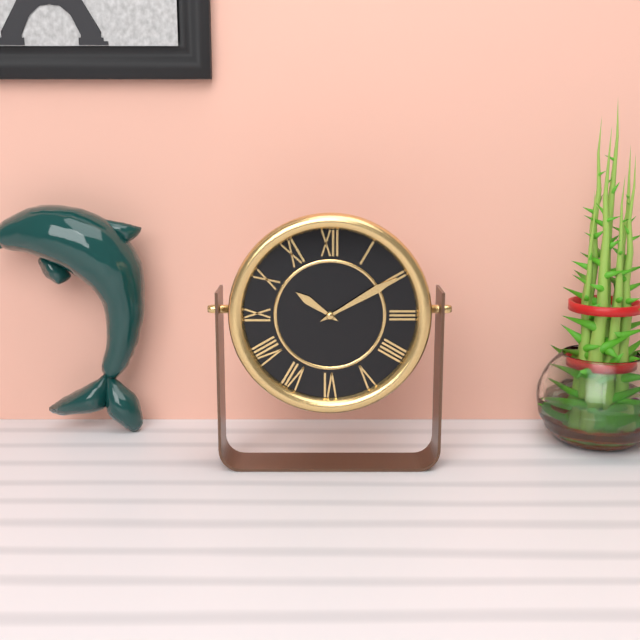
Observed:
10h10
